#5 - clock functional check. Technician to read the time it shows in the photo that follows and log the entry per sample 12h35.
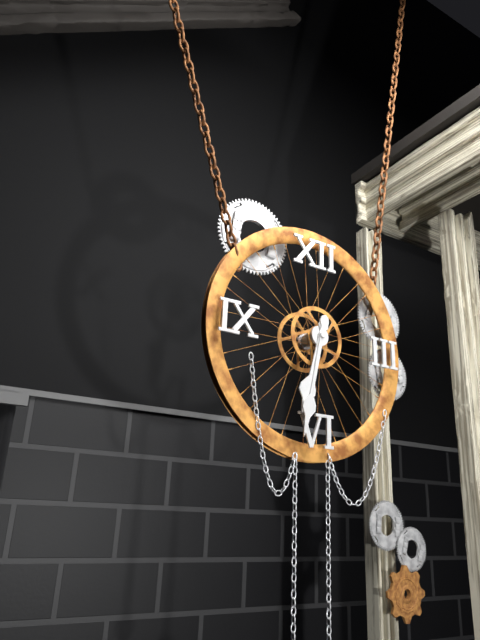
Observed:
6h32
